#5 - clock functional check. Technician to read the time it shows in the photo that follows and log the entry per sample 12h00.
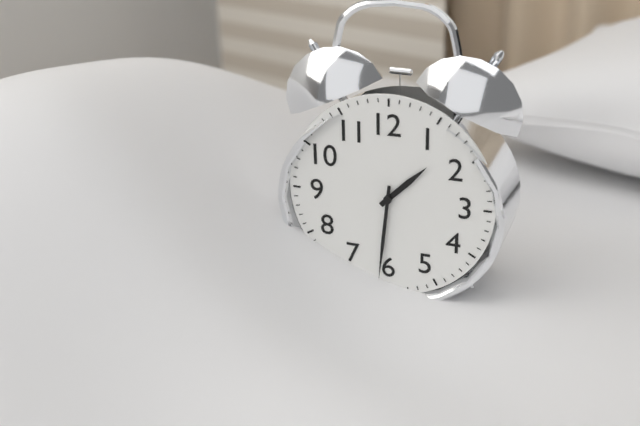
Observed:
1h31
